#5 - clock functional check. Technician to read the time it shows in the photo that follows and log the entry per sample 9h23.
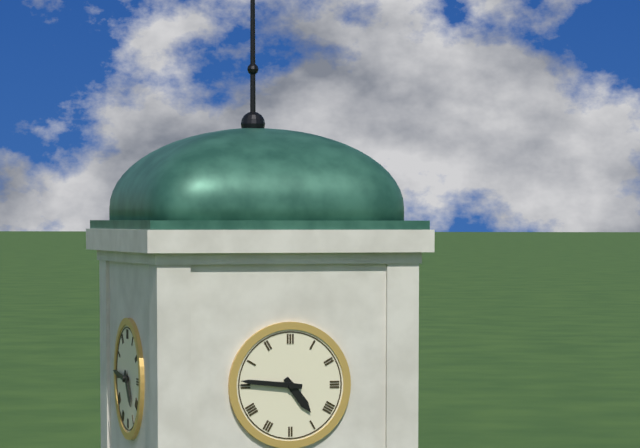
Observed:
4h46
